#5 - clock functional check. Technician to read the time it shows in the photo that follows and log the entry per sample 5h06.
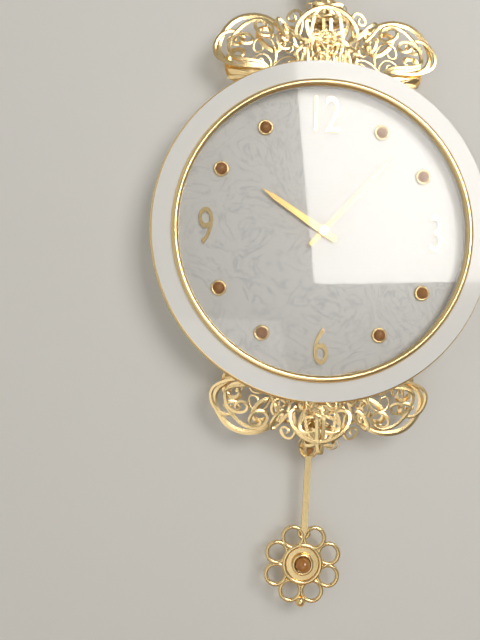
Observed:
10h07
